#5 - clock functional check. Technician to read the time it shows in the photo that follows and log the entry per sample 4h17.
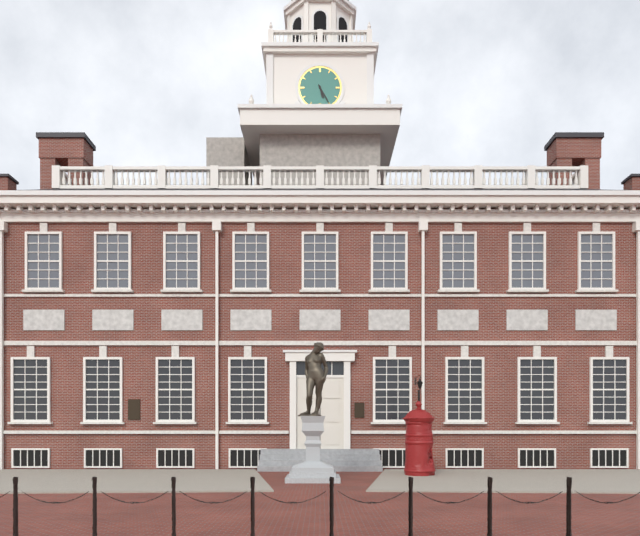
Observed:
5h25
